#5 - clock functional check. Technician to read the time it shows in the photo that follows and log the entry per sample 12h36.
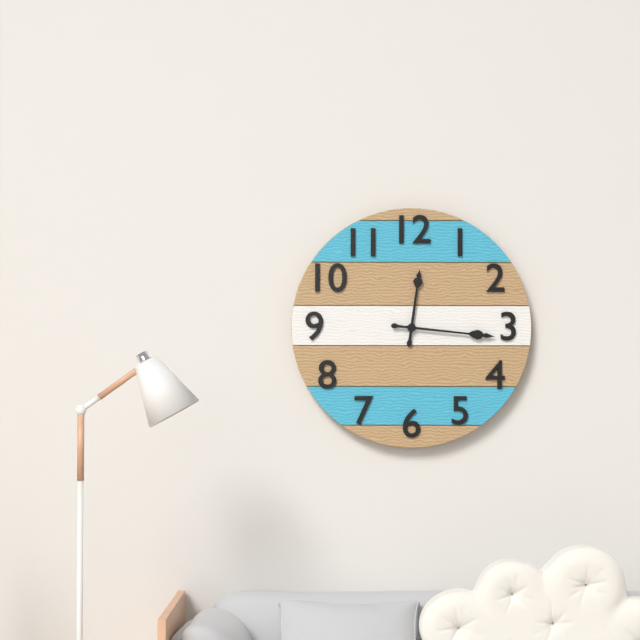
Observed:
12h16
